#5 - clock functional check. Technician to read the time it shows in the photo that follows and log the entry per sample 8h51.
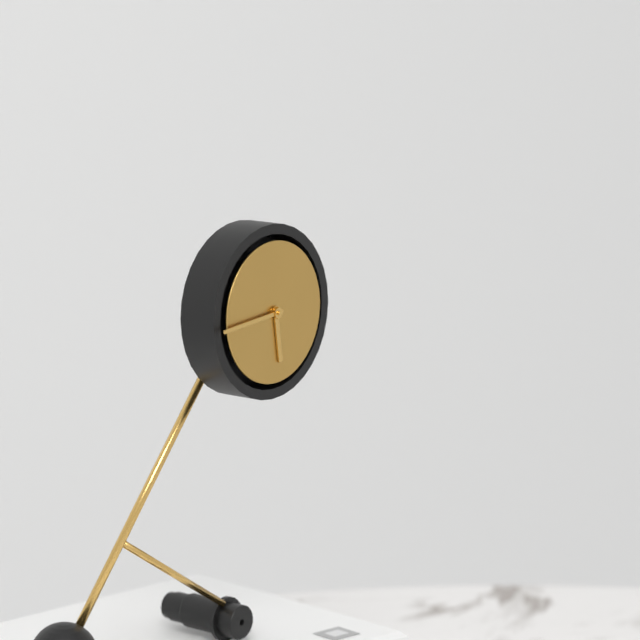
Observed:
5h44
